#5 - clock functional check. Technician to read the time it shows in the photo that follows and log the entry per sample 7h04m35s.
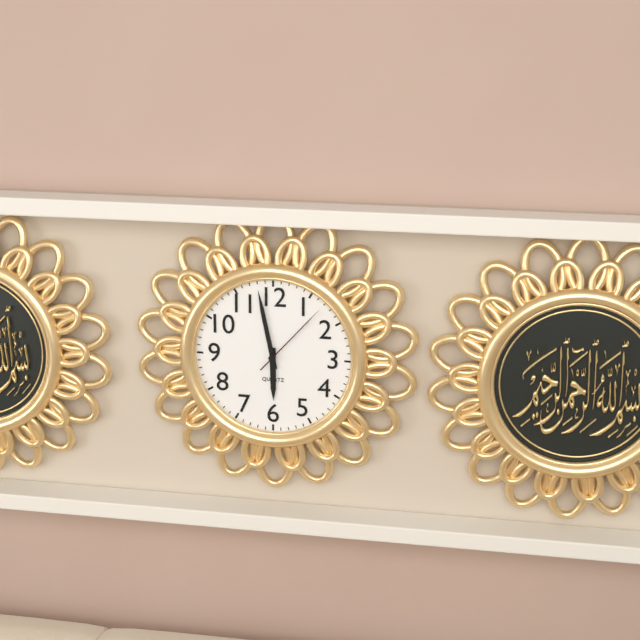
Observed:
5h58m07s
